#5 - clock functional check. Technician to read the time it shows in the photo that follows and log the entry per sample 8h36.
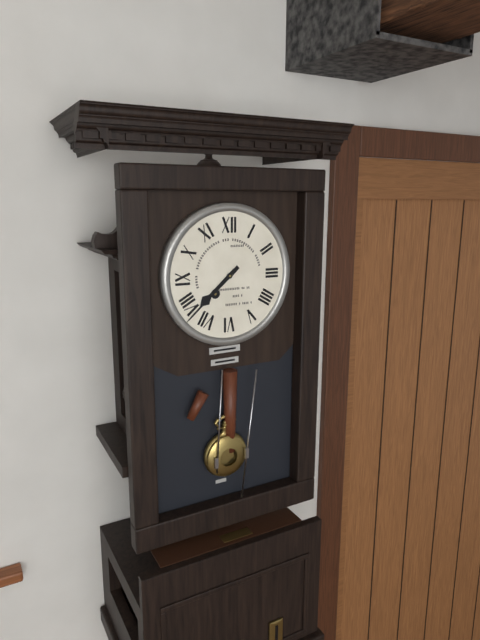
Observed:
7h38
